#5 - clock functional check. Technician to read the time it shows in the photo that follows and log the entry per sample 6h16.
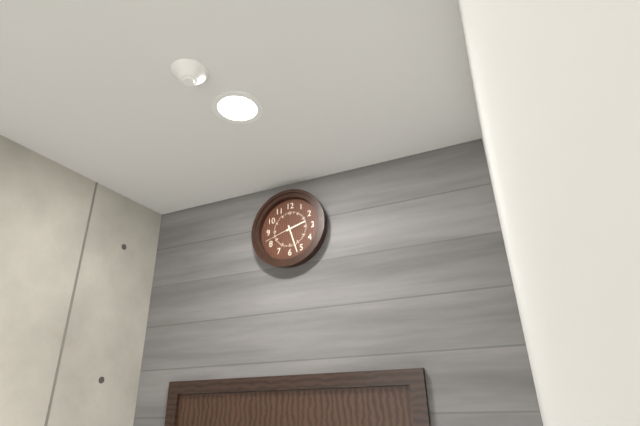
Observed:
2h27
